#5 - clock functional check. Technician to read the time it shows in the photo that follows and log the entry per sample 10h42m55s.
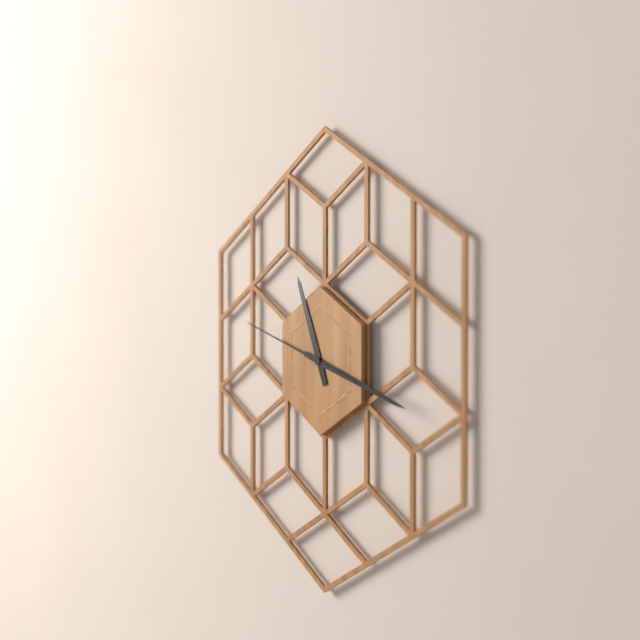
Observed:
11h18m48s
